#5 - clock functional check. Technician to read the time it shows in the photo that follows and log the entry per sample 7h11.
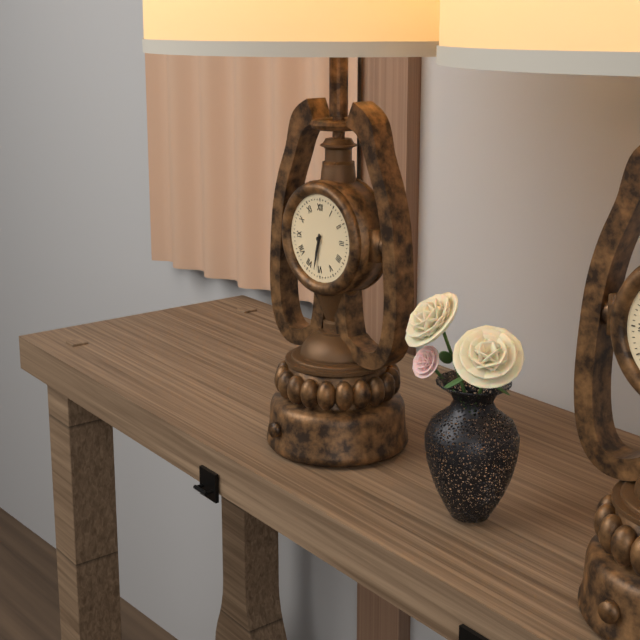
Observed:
6h32
